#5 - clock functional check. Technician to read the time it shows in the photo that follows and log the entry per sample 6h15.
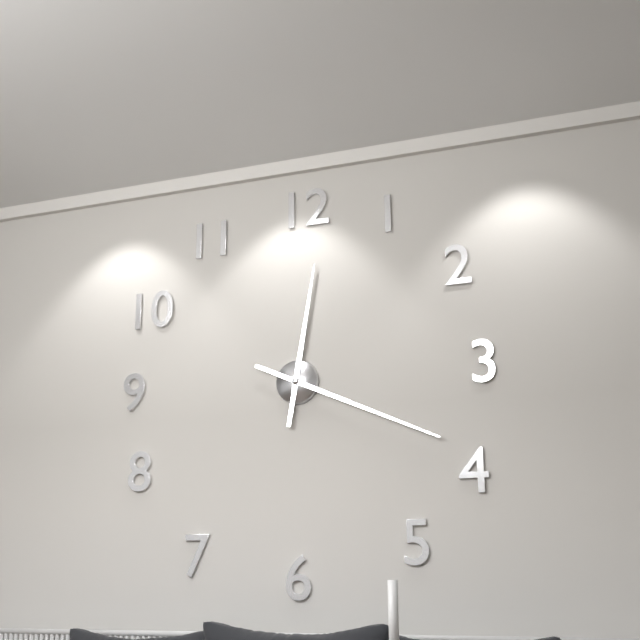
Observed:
12h19
